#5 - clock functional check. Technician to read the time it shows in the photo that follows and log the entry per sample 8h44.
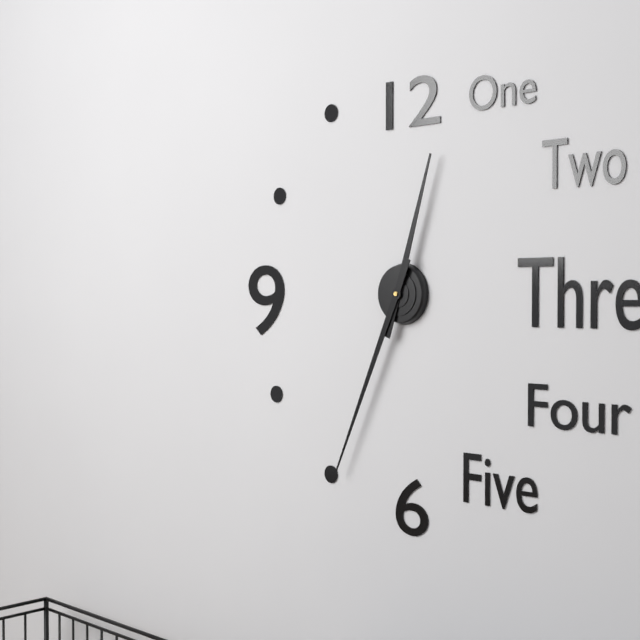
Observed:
12h34
